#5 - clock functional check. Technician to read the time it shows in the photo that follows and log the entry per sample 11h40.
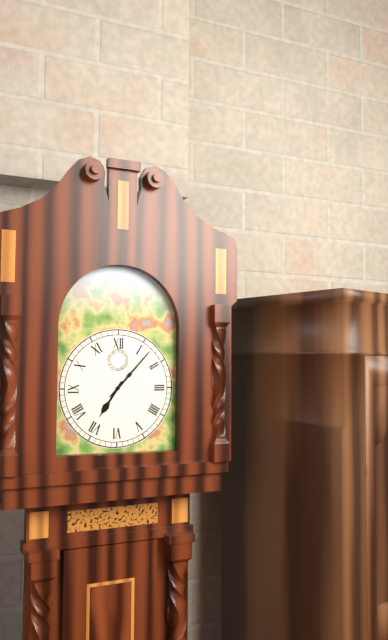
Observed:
7h07
